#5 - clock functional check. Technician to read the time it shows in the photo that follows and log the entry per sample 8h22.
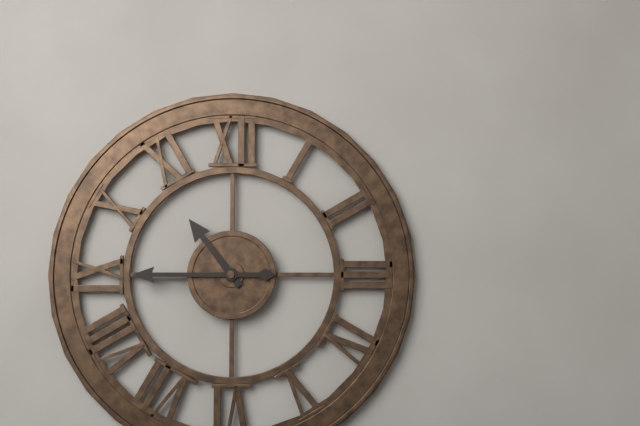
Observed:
10h45
